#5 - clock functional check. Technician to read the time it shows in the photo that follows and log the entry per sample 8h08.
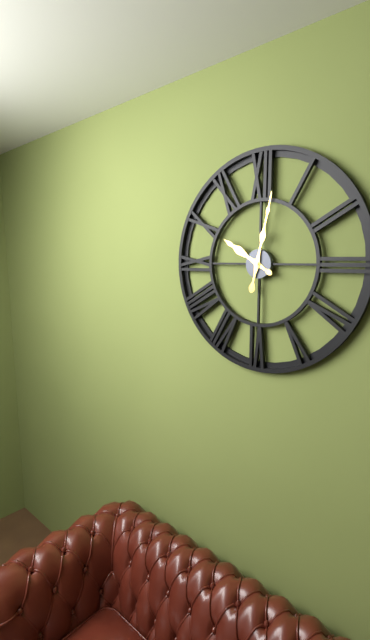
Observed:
10h02
